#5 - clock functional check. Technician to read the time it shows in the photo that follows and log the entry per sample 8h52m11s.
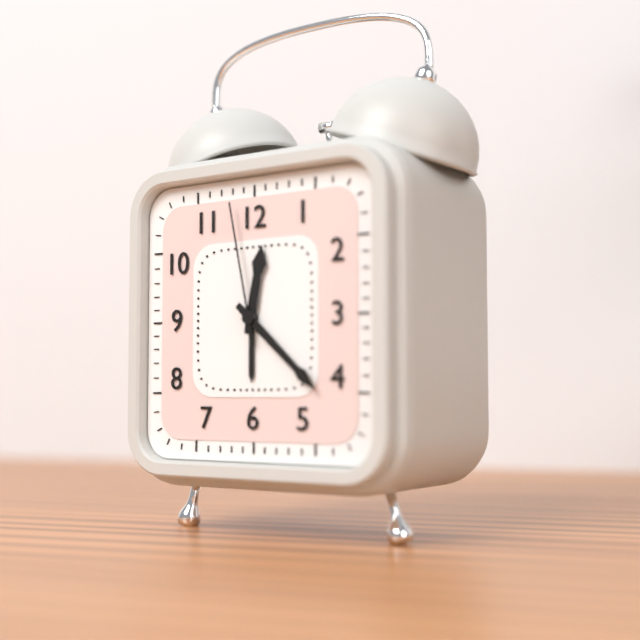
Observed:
12h22m58s
